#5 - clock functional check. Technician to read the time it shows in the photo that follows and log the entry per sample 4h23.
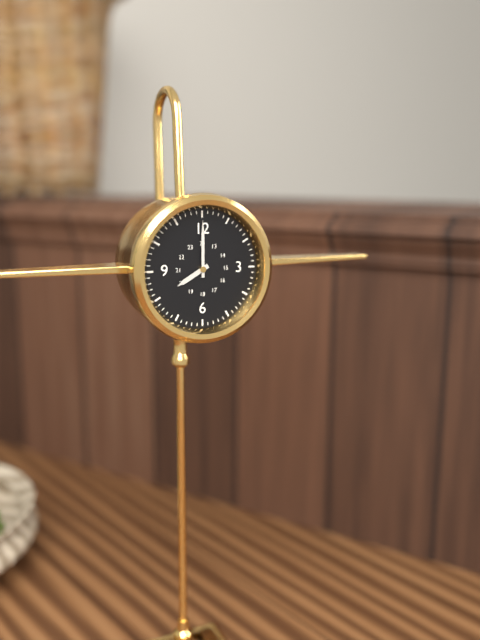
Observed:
8h00
